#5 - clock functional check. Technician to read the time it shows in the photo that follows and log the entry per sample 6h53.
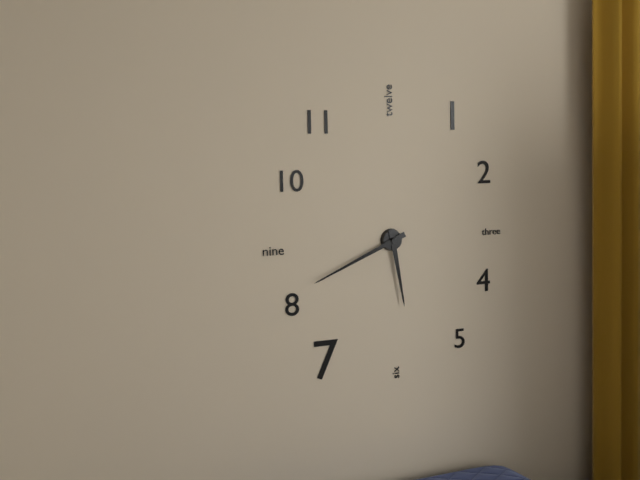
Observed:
5h41
